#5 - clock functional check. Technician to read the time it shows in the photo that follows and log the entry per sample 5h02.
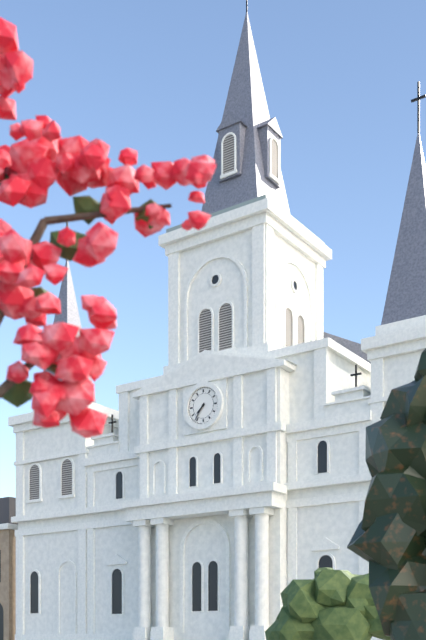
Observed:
7h36
